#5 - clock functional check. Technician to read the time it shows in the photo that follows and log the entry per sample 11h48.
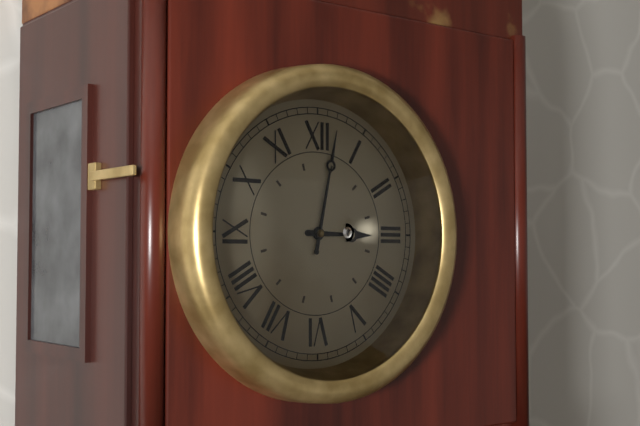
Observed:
3h02
